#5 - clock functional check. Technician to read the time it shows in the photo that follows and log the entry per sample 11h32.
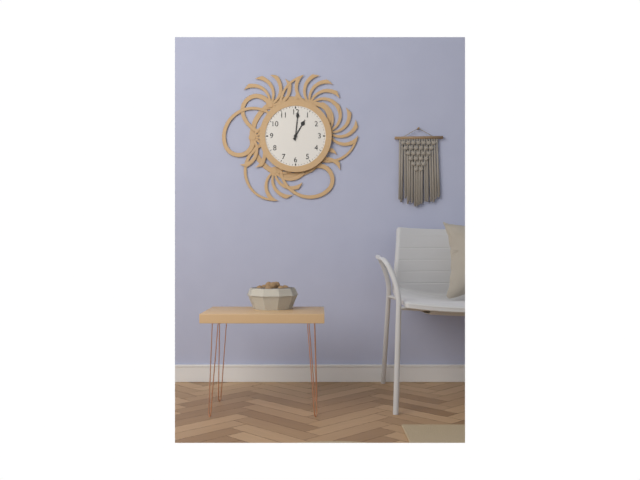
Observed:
1h01
